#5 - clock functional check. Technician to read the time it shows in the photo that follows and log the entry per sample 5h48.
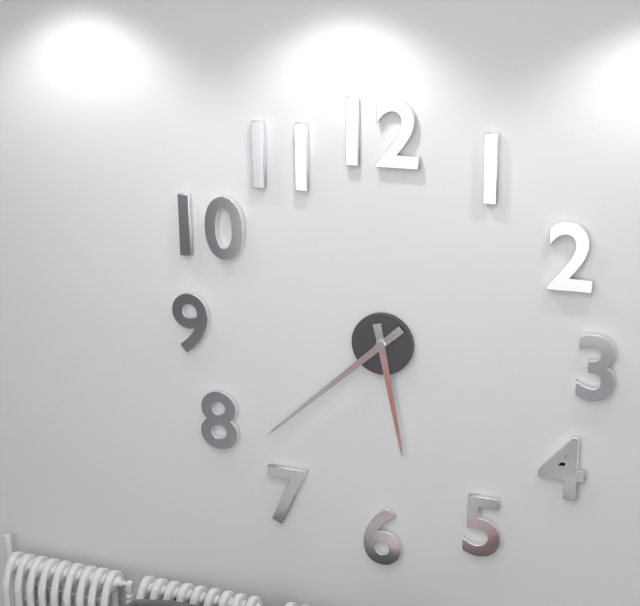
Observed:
5h38
